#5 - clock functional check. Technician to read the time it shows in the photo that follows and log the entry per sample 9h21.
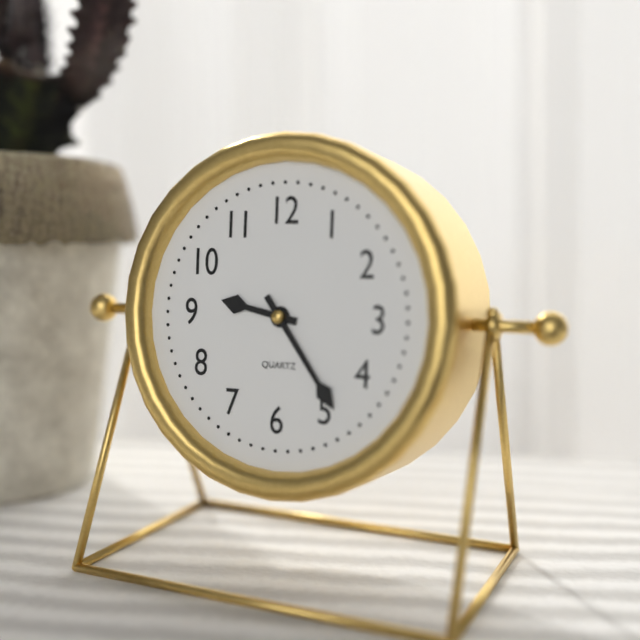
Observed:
9h24
